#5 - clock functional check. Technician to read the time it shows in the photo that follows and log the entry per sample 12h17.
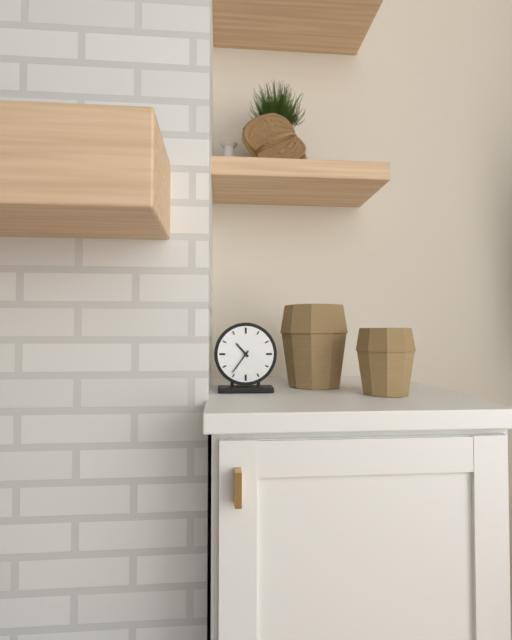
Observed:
10h36
